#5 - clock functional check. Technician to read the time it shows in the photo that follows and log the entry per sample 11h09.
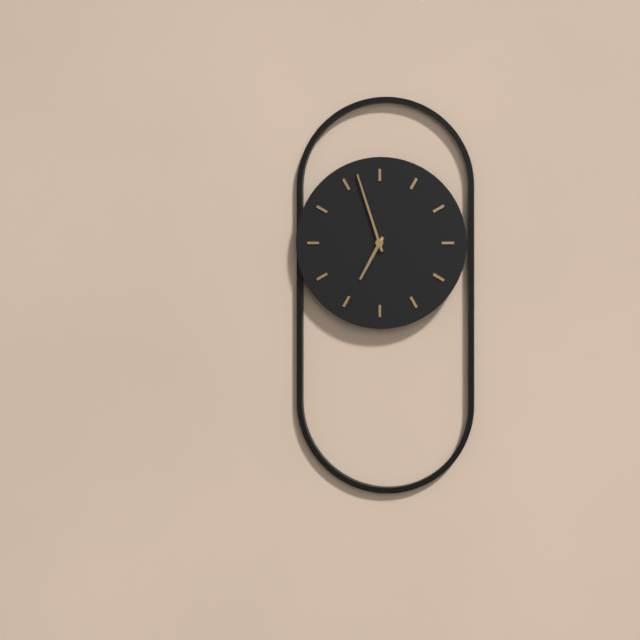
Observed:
6h57
